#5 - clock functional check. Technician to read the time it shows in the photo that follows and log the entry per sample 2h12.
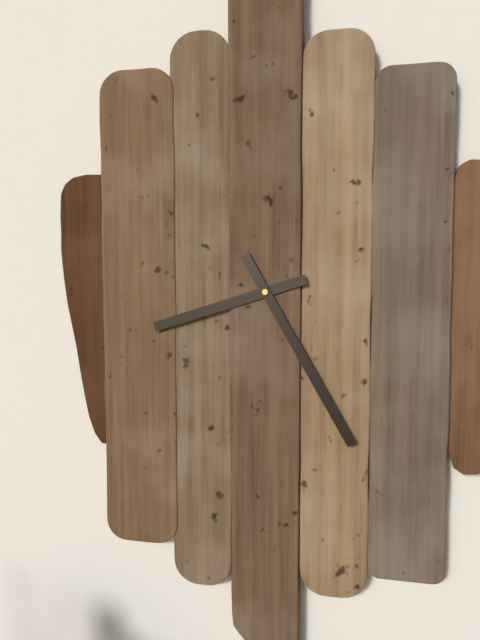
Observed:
8h25
